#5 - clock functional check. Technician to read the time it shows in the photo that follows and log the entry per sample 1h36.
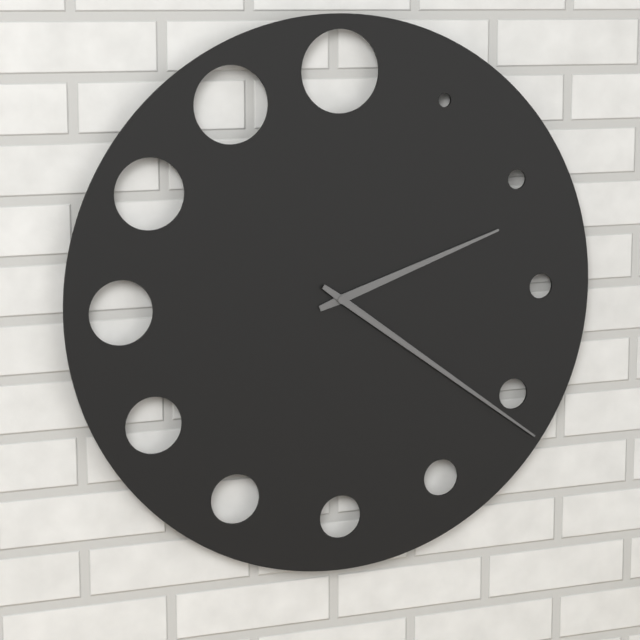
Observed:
2h21
